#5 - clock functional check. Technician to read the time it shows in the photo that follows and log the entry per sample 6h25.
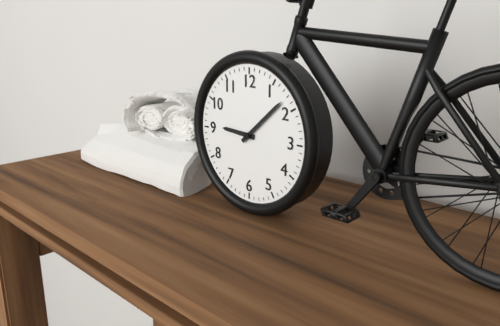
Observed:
9h08
